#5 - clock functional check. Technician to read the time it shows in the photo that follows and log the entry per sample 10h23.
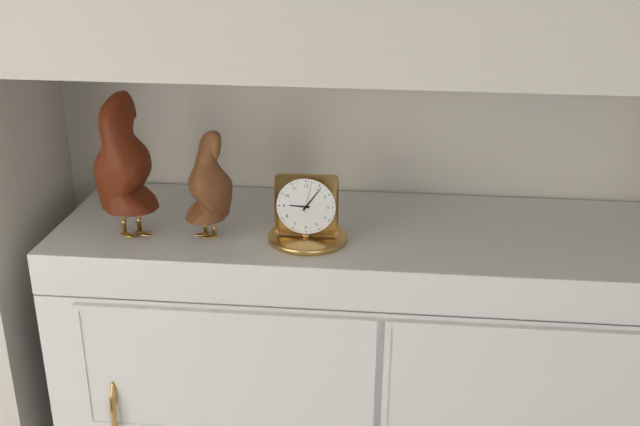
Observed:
9h06
